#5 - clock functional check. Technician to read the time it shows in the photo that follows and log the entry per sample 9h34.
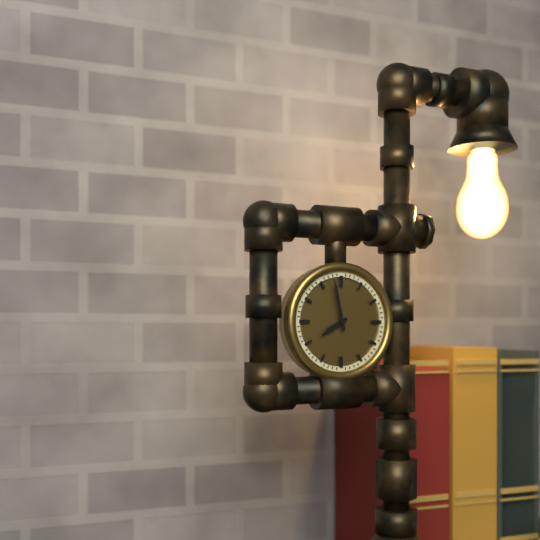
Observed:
7h58
